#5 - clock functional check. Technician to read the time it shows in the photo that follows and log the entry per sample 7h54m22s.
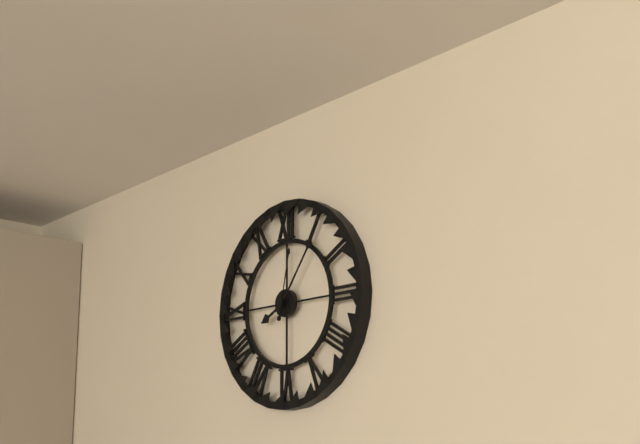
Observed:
8h06m02s
